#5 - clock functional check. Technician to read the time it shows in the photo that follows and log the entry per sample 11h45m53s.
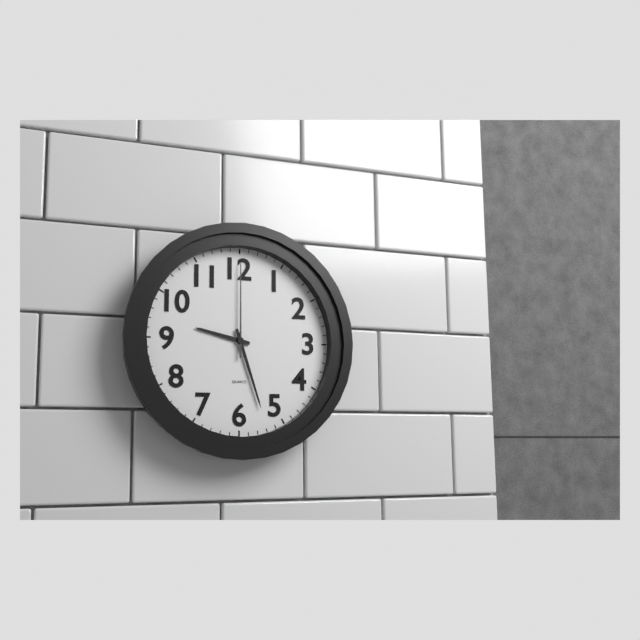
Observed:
9h27m00s
